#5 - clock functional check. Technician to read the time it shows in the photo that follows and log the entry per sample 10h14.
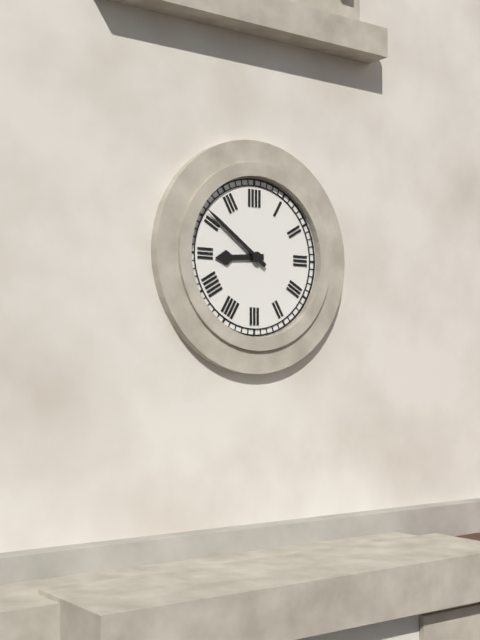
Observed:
8h51
